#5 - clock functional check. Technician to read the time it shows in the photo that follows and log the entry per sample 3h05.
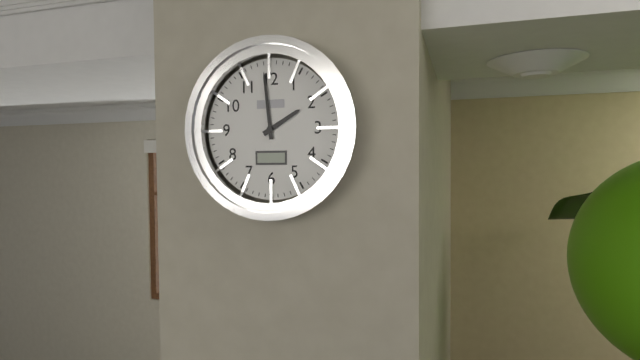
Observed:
1h59
